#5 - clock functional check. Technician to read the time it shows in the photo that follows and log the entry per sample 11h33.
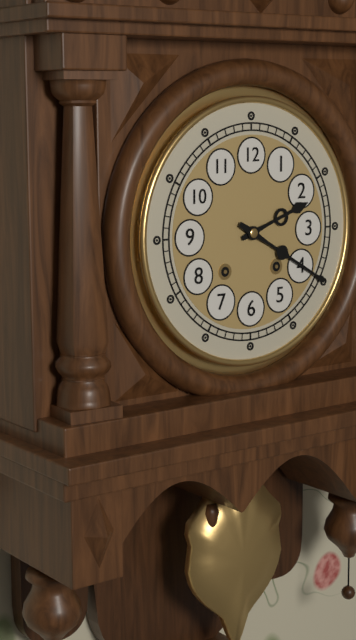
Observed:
2h20
